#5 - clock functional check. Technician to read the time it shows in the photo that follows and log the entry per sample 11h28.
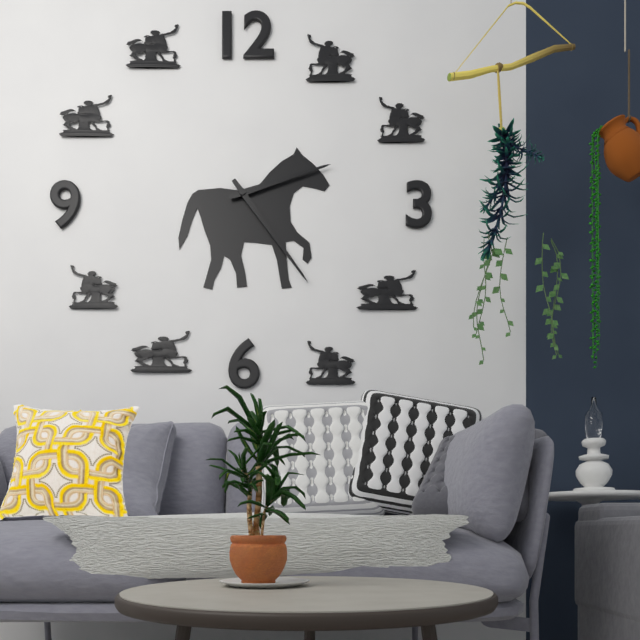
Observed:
2h24
